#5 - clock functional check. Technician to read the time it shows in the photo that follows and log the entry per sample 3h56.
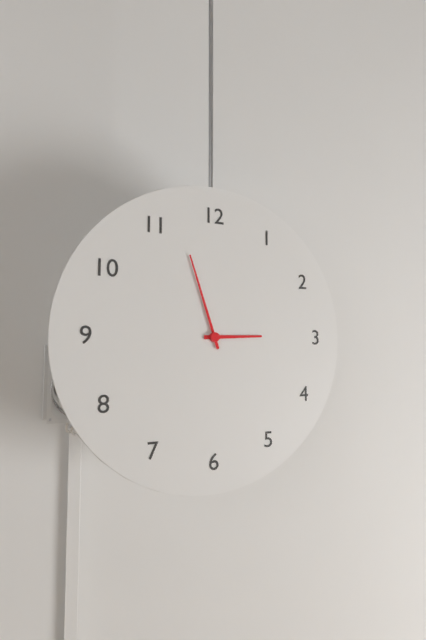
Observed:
2h57
